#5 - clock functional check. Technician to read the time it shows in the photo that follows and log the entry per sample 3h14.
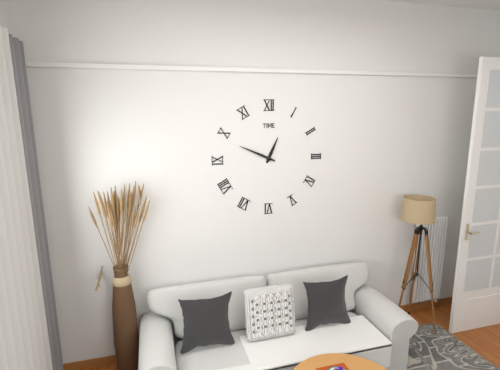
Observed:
12h49
